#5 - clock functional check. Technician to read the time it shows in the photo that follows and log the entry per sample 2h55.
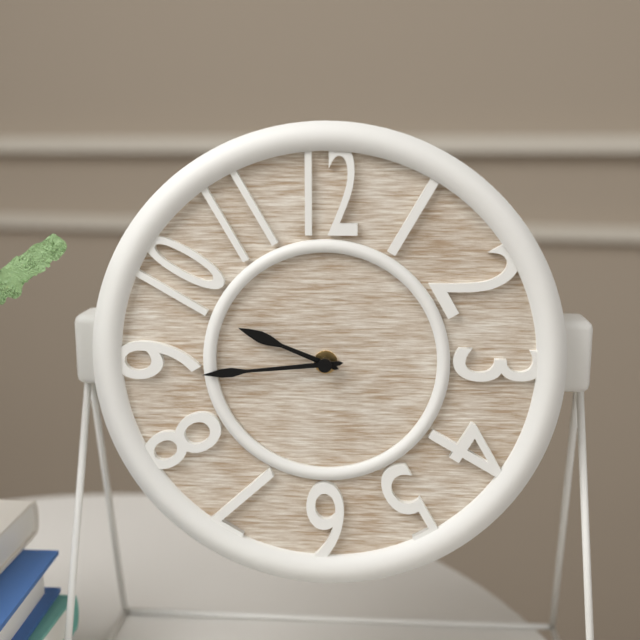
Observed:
9h44
